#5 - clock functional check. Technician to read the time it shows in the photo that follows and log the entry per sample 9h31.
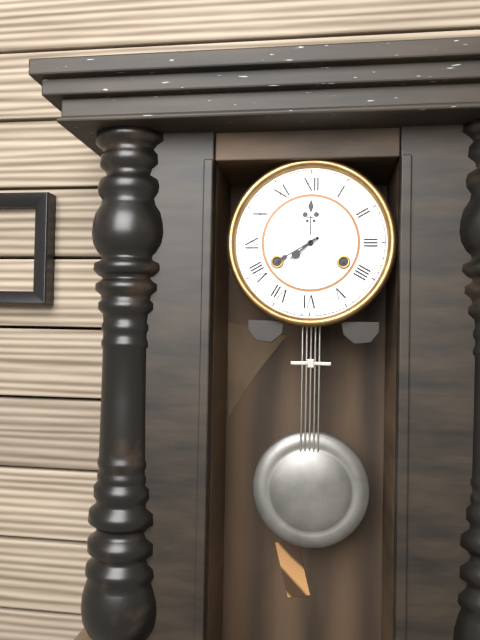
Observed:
7h40
